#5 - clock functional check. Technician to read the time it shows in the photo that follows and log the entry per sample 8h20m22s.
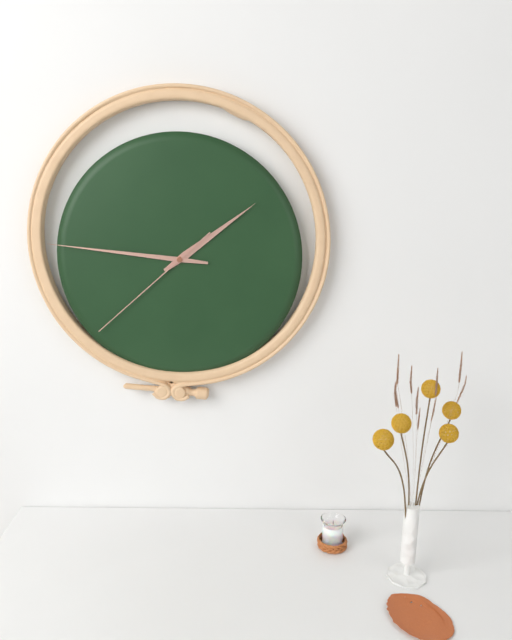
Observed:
1h46m38s
